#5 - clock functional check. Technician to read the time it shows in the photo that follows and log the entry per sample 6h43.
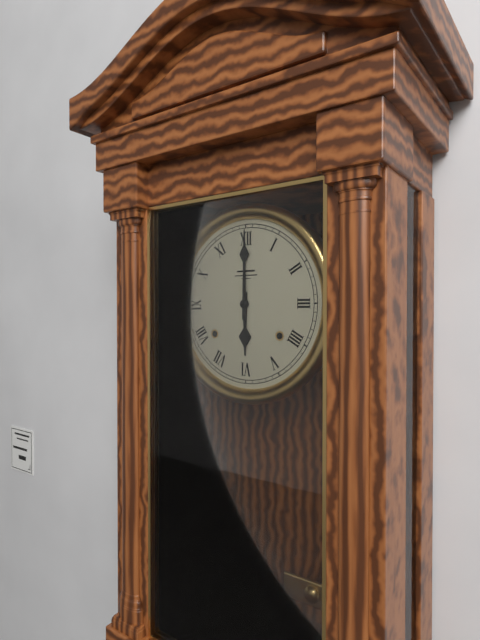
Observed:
6h00
